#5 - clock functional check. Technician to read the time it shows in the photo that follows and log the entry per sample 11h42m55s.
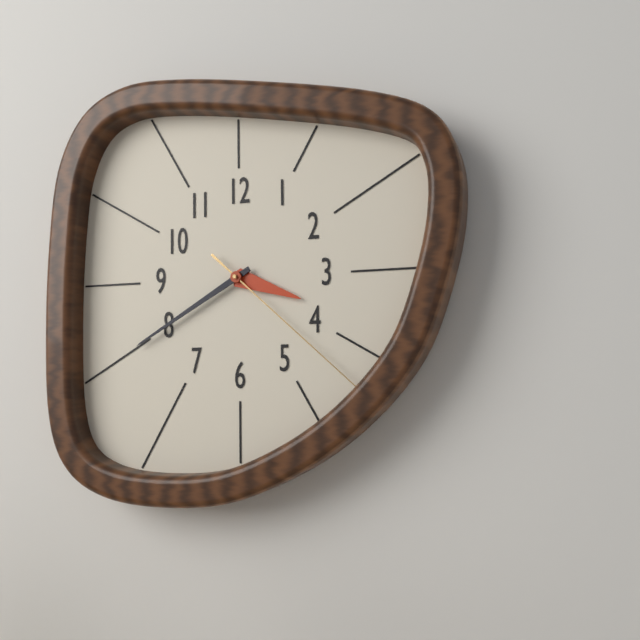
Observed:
3h40m22s
